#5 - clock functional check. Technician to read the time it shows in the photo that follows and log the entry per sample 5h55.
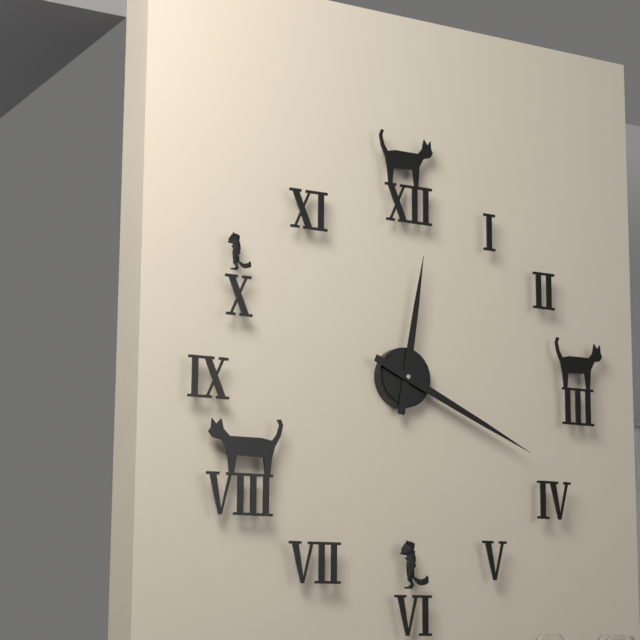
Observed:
12h19
